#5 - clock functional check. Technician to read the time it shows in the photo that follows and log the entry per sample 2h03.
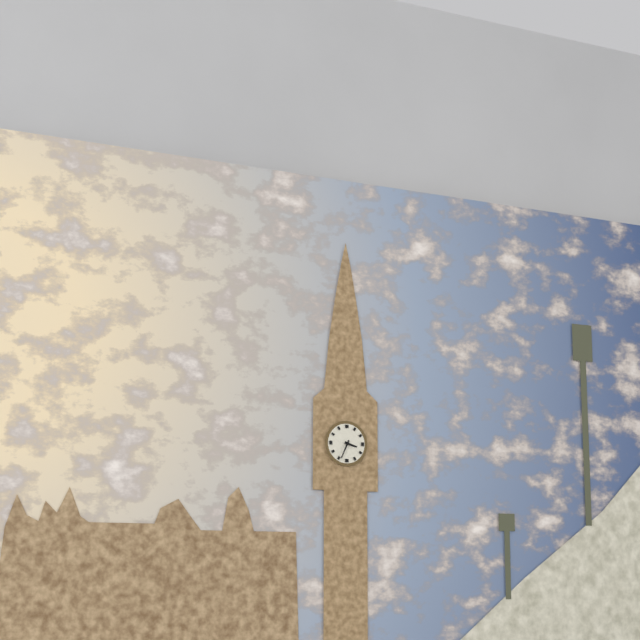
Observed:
3h34
